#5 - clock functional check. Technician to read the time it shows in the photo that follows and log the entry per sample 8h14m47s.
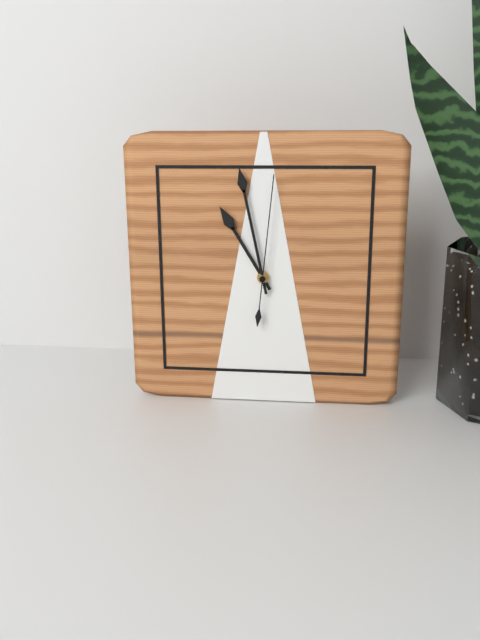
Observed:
10h58m01s
